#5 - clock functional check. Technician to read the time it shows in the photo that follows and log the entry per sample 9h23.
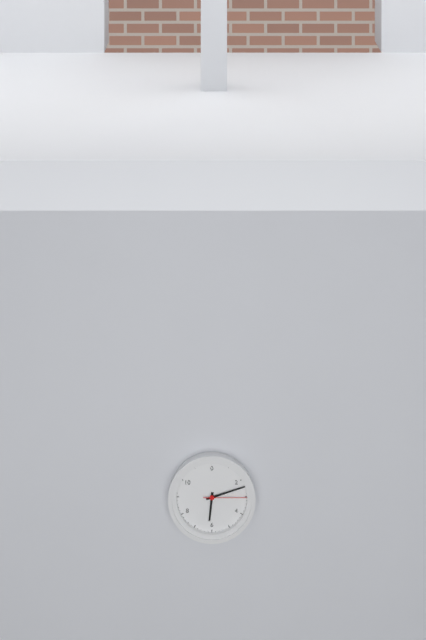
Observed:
6h12
